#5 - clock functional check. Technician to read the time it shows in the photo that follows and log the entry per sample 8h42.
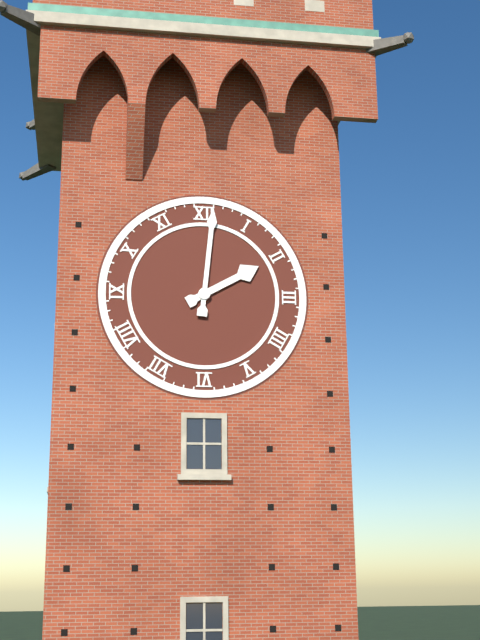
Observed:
2h01
